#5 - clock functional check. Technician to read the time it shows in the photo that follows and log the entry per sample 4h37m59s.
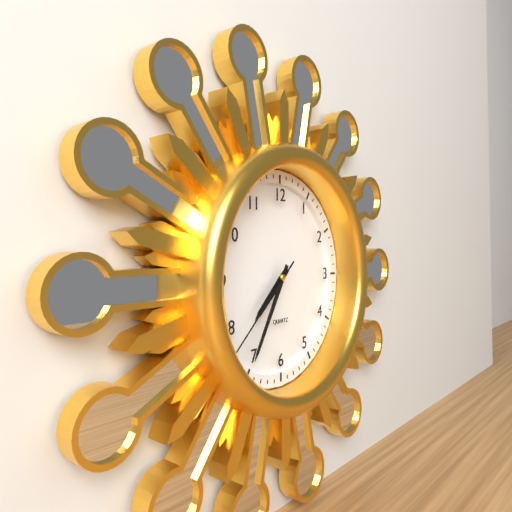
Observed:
7h35m38s
